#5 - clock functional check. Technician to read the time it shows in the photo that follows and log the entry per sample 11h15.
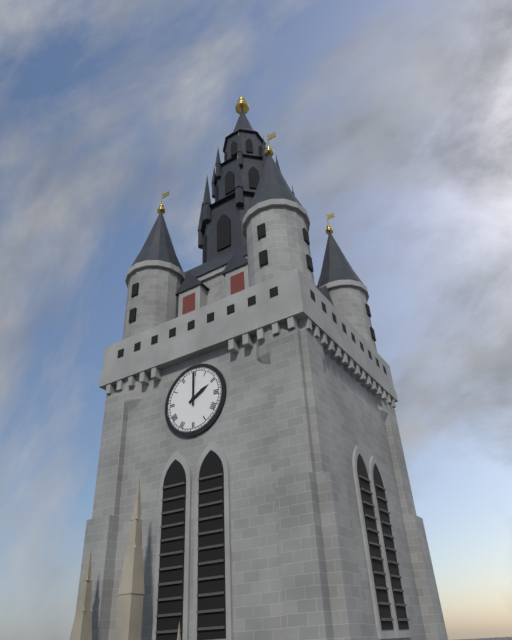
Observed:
2h00
